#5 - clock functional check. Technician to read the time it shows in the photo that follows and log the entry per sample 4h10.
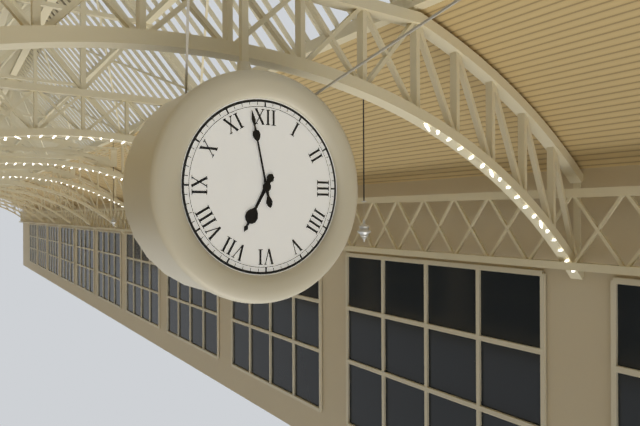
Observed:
6h58
